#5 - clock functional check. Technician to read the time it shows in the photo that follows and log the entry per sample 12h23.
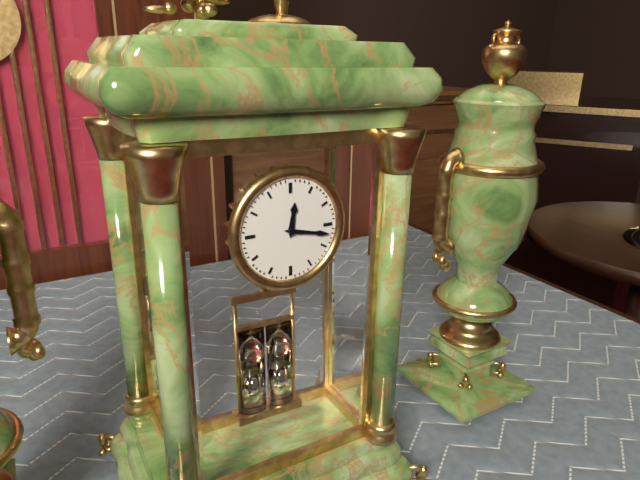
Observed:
12h17
